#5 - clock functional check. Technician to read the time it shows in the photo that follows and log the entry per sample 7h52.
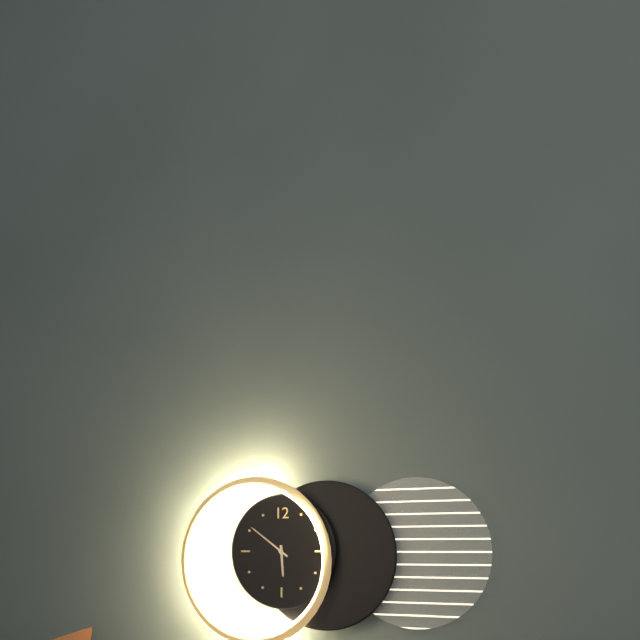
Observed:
5h51
